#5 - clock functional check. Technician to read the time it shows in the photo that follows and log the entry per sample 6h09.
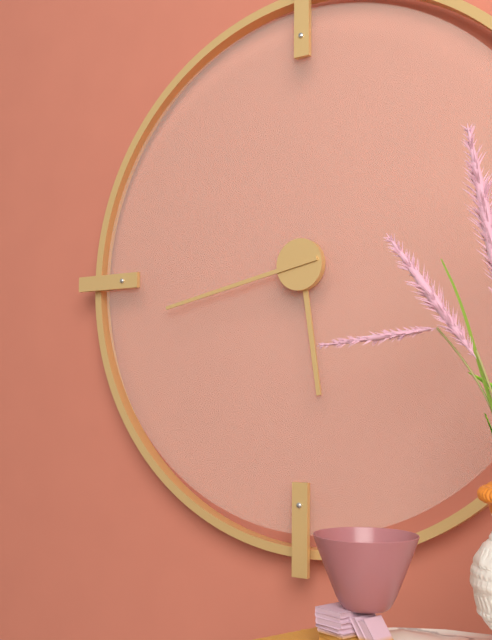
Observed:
5h43
